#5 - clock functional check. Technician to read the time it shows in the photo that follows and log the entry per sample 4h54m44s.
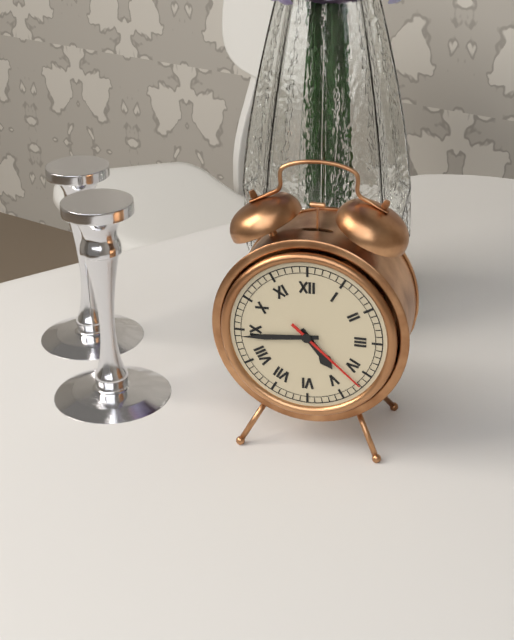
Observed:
4h44m22s
